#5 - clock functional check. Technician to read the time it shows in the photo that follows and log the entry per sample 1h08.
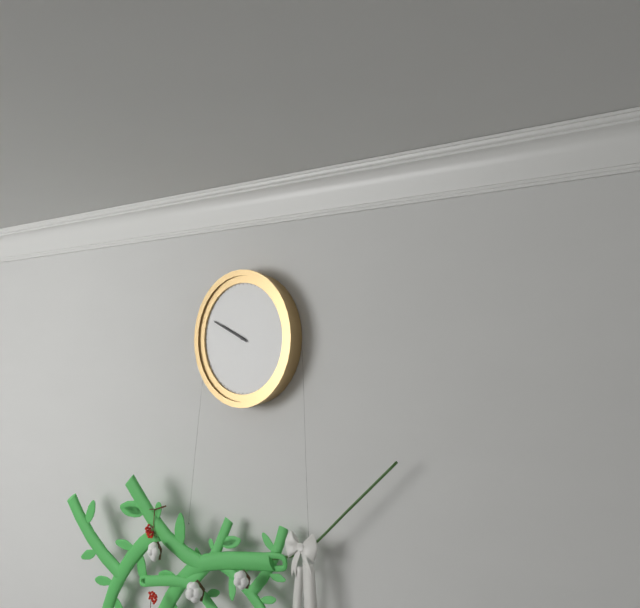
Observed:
9h49
